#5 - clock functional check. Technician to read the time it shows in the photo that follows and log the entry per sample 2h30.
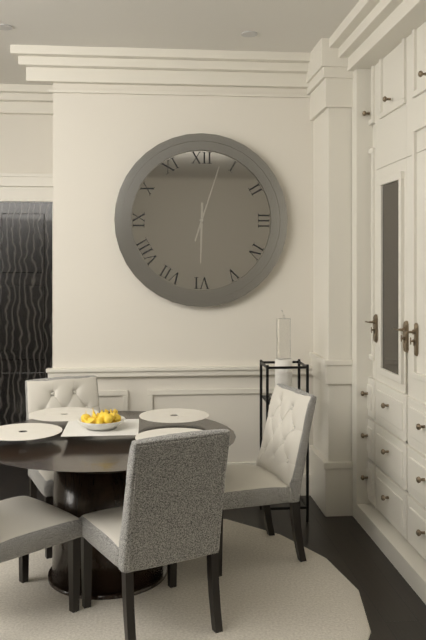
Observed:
6h03
